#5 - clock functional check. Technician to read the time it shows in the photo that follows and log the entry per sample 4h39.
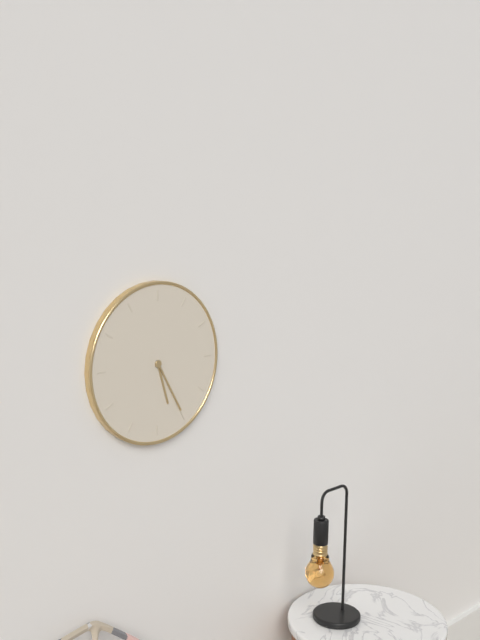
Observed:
5h25
